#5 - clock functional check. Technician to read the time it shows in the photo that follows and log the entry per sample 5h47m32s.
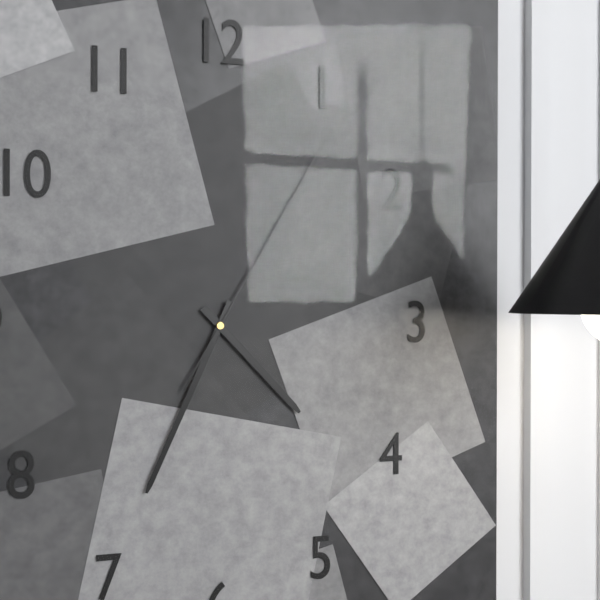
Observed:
4h34m05s
